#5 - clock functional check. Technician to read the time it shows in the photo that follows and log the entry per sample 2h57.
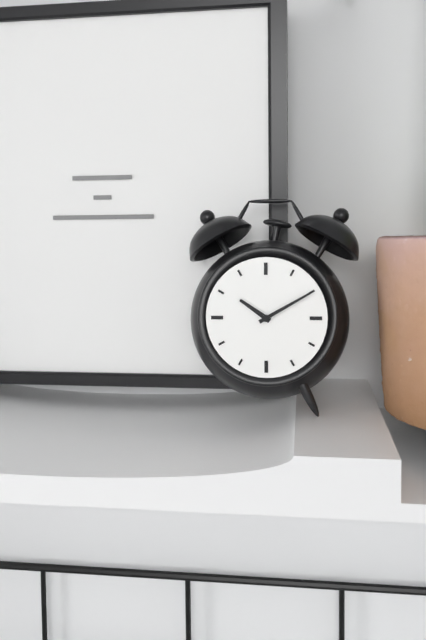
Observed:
10h10
